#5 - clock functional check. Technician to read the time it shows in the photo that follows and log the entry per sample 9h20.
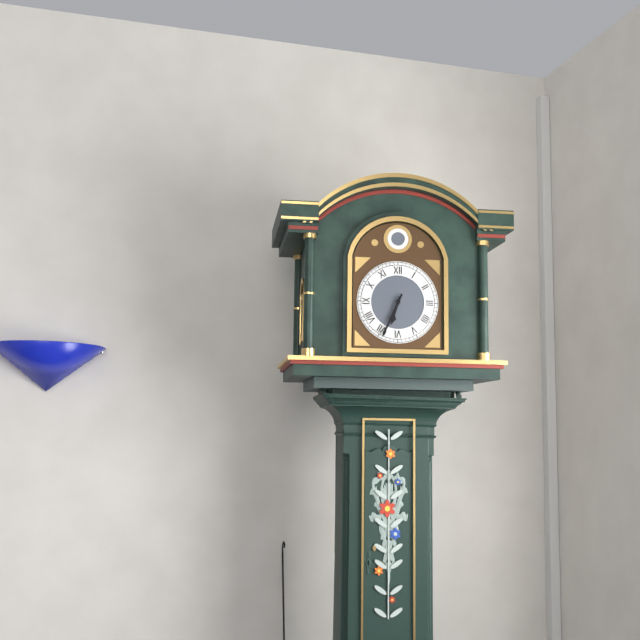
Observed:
6h34
